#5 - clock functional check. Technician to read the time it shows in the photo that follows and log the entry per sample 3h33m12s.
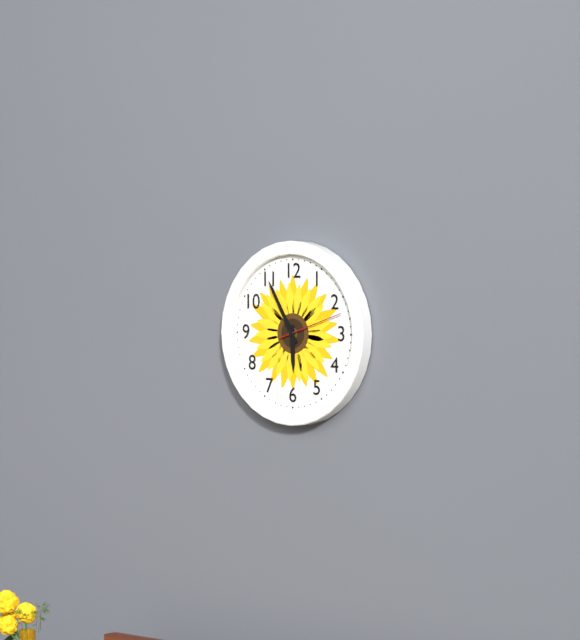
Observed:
5h55m12s
